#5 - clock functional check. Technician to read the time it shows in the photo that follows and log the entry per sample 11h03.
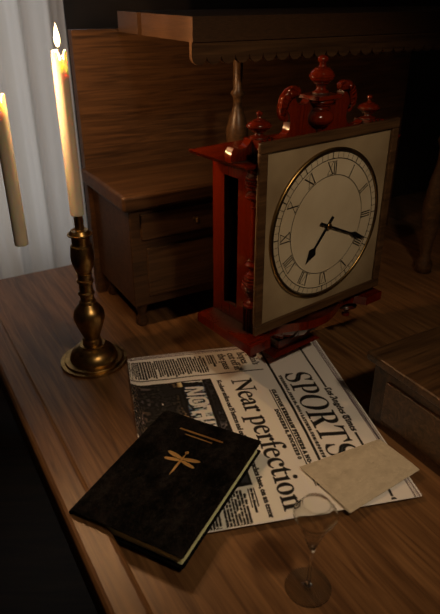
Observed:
7h19
